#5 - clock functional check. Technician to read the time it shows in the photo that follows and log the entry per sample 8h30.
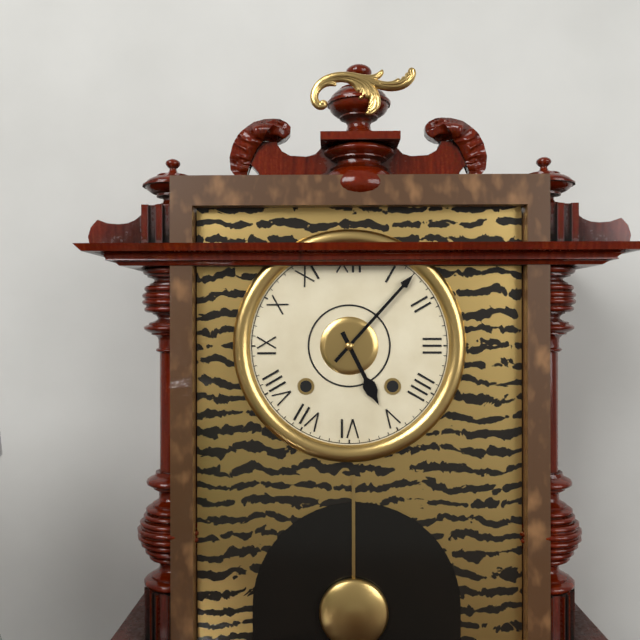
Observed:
5h07
